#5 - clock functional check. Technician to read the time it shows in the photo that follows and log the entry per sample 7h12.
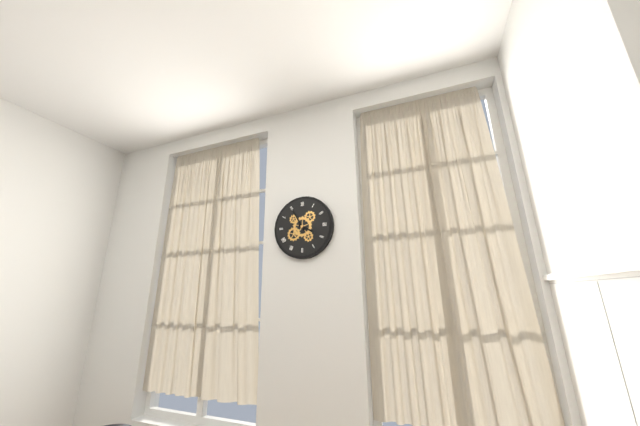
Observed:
3h55
